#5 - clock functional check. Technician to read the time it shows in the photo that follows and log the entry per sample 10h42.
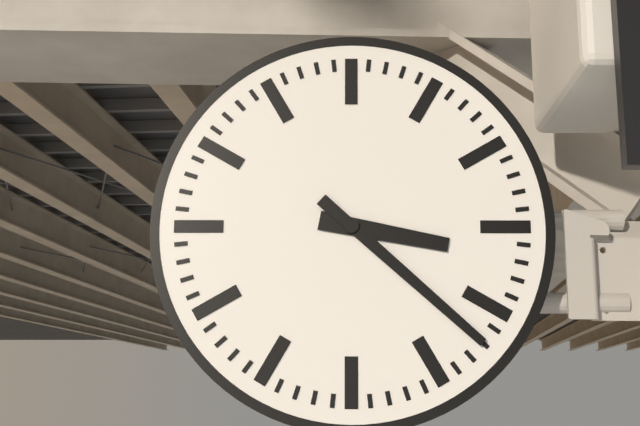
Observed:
3h22
